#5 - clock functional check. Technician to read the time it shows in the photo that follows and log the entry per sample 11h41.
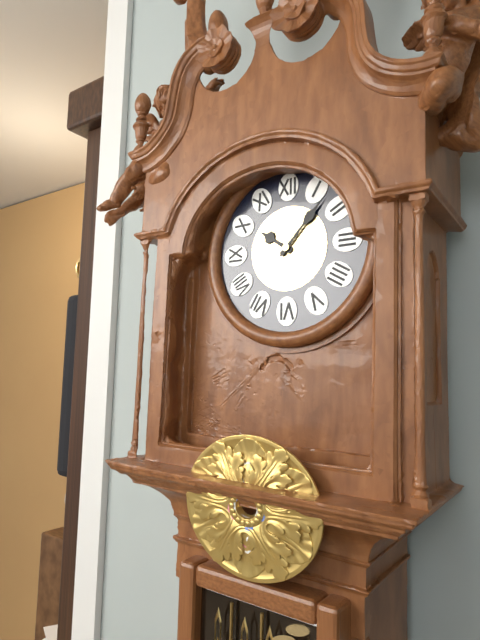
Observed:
10h07
